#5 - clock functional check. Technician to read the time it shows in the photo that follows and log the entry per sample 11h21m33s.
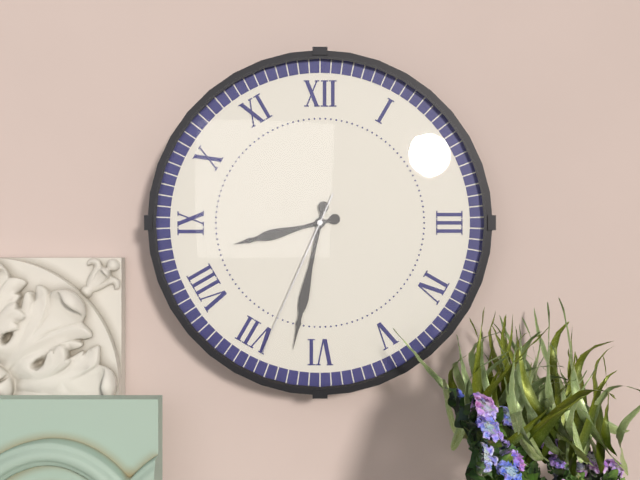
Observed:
8h32m34s
